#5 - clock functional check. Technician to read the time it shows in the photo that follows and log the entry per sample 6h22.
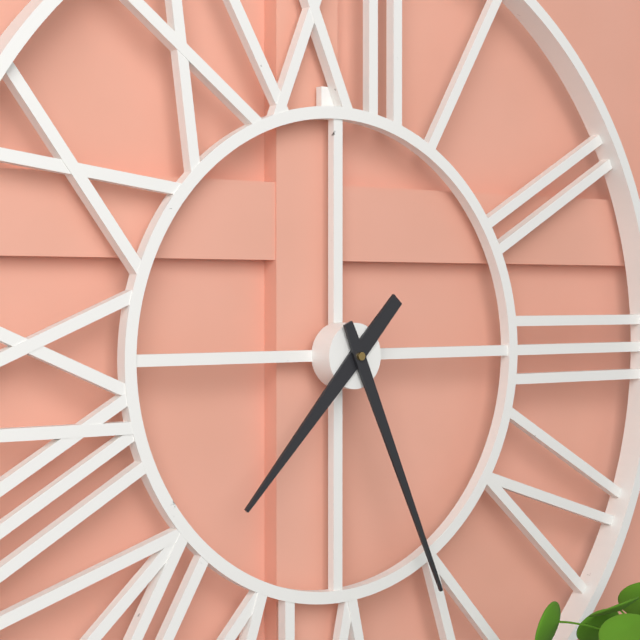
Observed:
7h26
